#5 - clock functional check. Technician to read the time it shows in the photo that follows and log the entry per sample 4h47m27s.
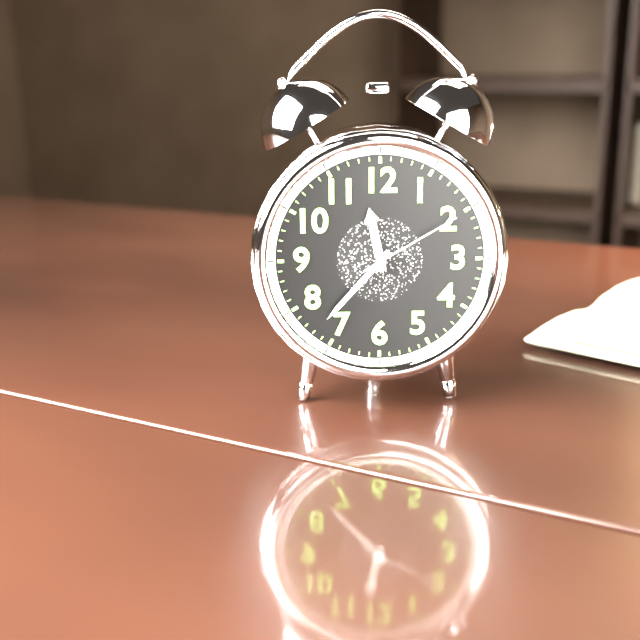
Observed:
11h37m10s
